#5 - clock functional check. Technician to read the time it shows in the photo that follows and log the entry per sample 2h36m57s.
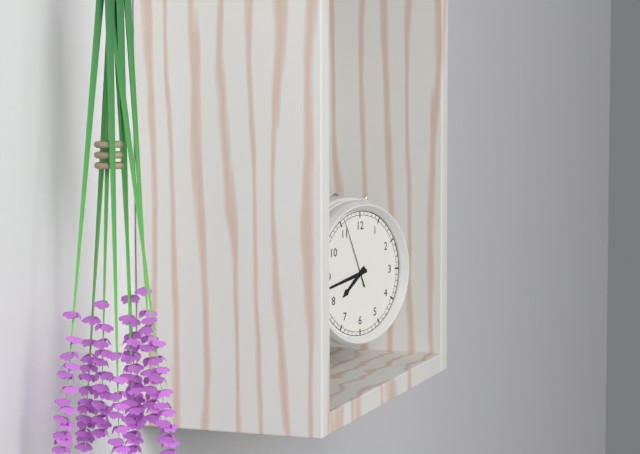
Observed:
7h43m56s
